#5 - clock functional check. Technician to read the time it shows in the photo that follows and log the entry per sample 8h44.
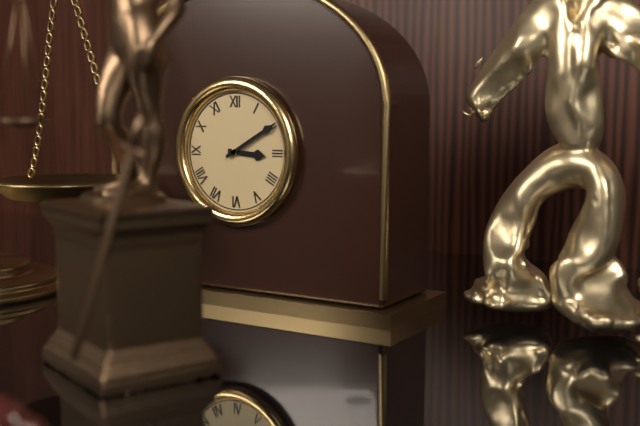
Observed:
3h10
